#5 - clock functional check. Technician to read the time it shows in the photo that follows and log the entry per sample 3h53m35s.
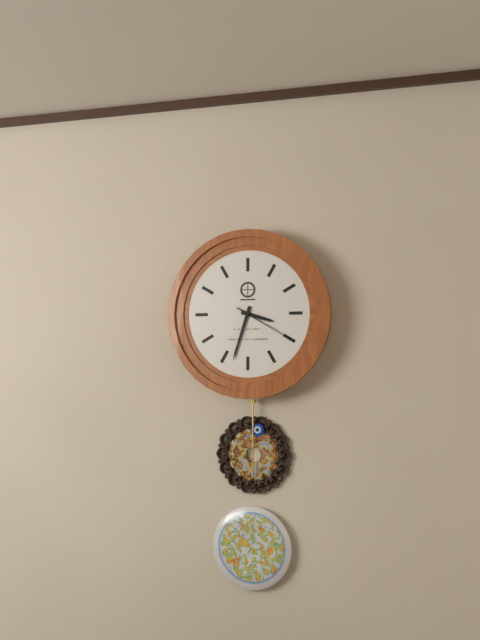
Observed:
3h33m20s
